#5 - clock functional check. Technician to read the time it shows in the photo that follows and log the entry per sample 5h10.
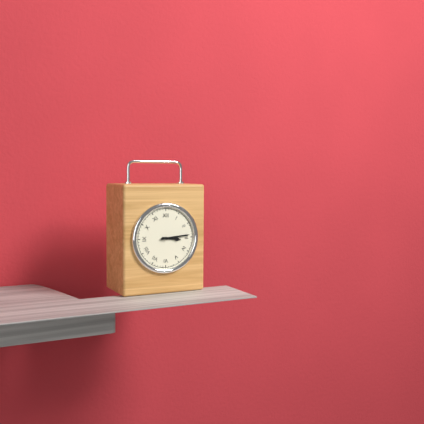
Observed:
3h14
